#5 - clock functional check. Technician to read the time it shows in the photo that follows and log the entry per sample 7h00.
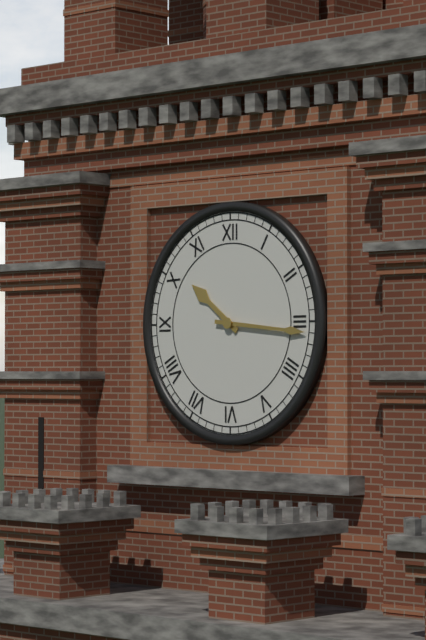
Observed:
10h16
